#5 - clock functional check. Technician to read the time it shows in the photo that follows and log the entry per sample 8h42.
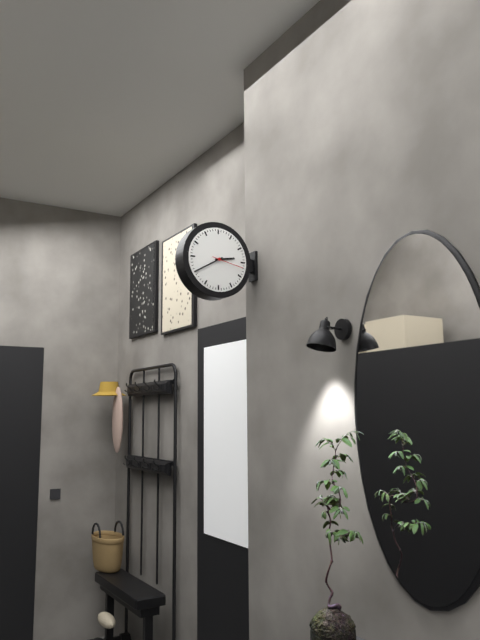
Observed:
2h40
